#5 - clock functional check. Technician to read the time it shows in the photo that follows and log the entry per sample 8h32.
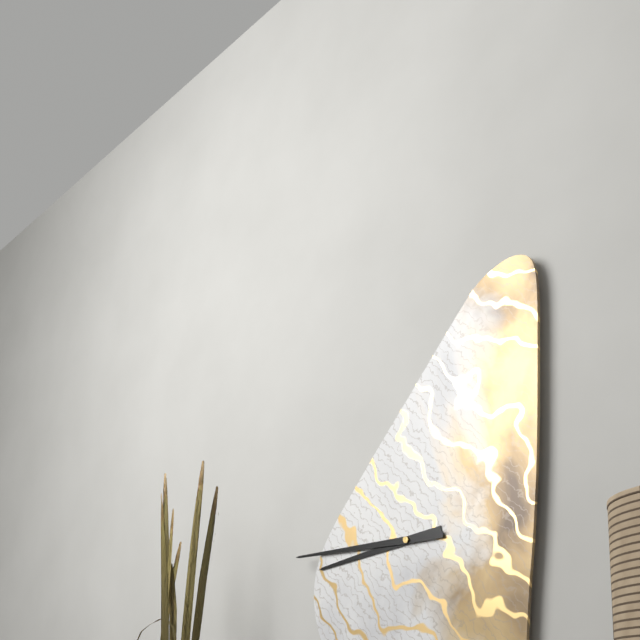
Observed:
8h45
